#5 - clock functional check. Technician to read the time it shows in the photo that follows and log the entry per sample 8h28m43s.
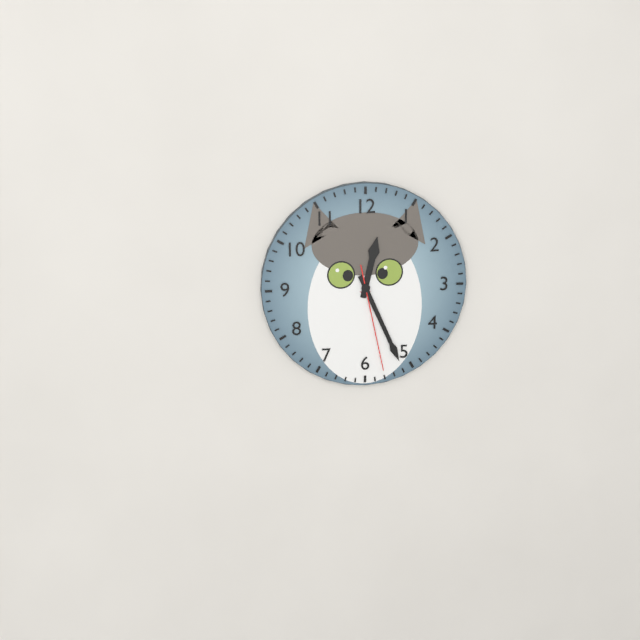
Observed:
12h26m28s
